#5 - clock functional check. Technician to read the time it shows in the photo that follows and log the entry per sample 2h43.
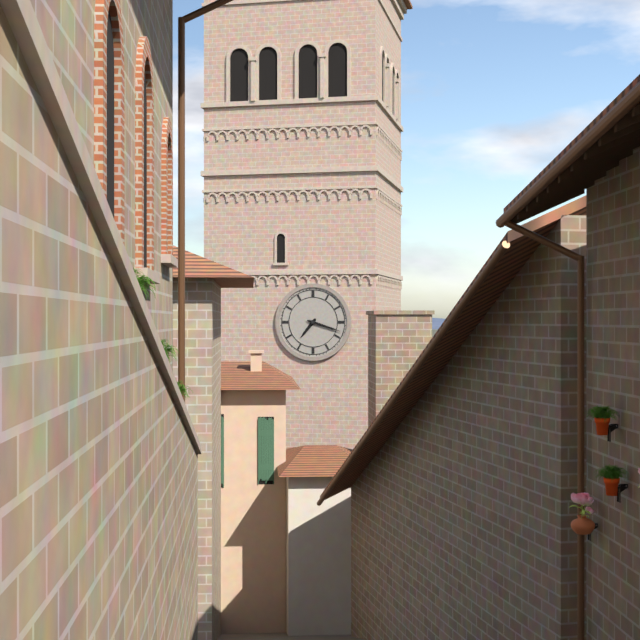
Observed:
7h18
